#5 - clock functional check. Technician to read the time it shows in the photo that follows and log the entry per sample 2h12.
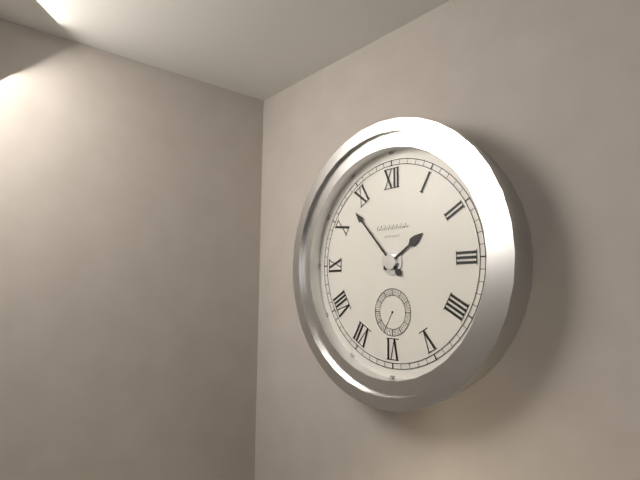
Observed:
1h53
